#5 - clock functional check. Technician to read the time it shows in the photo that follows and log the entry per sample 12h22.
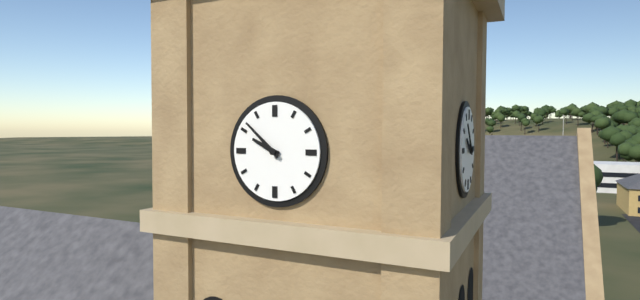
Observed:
9h52
